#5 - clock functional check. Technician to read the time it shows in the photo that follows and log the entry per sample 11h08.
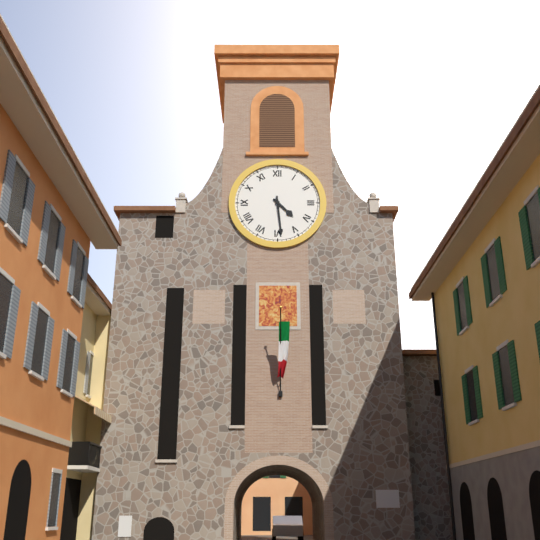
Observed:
4h29
